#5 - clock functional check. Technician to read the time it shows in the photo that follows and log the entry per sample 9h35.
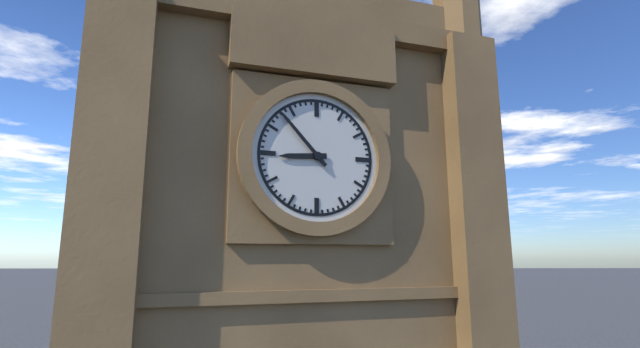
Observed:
8h53
